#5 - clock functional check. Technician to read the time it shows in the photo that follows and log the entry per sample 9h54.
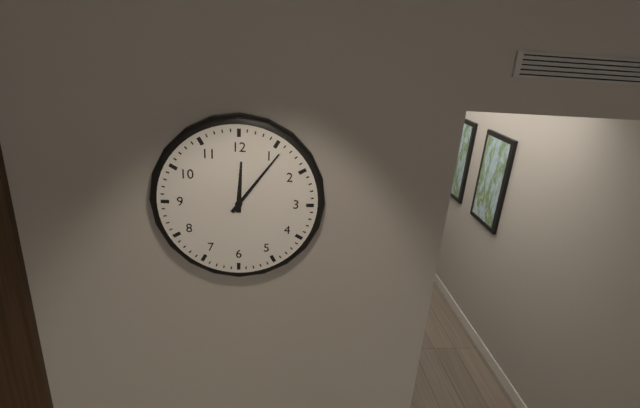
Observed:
12h06
